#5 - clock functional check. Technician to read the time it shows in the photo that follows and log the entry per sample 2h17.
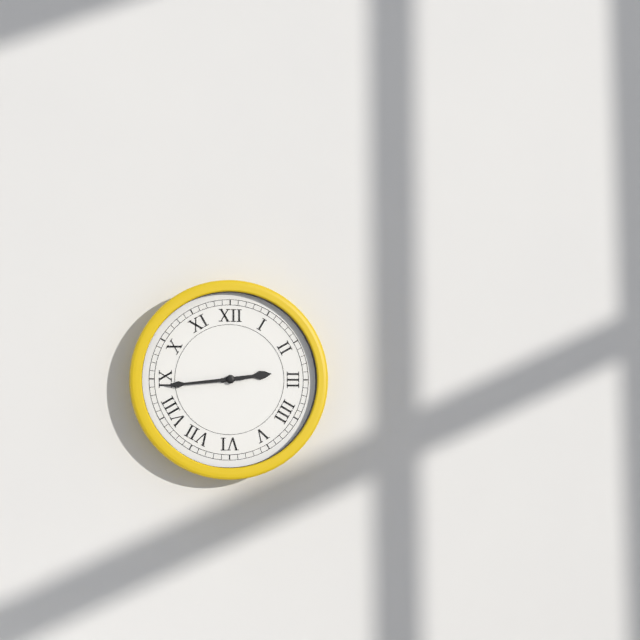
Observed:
2h44
